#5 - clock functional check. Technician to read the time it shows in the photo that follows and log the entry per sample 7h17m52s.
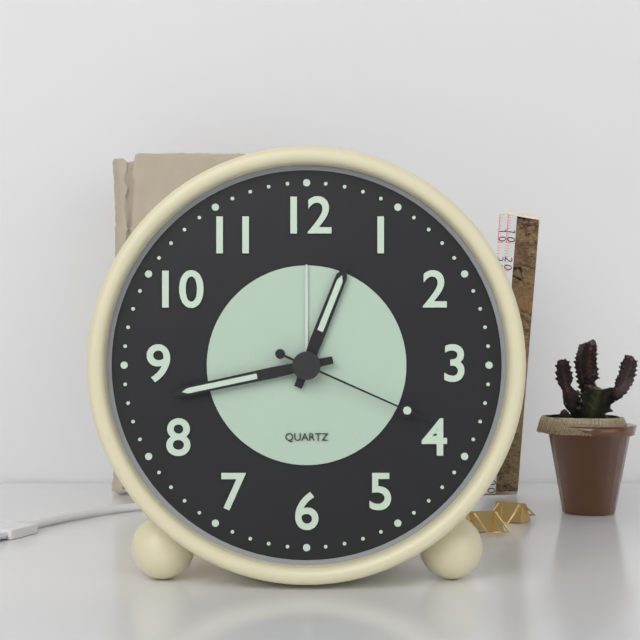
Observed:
12h43m19s
